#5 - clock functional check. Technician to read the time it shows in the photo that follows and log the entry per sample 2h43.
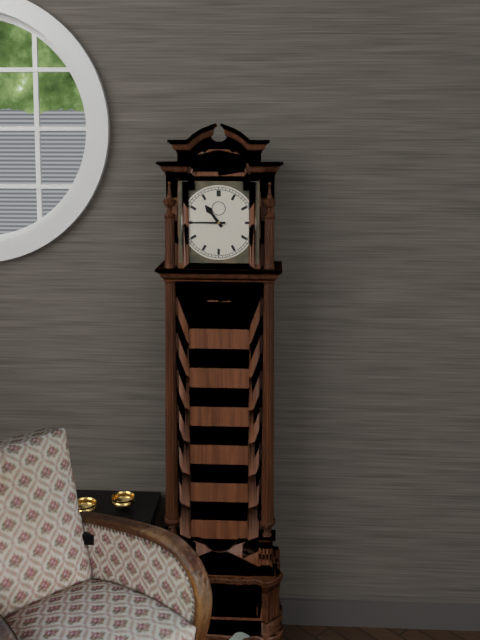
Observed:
10h45
